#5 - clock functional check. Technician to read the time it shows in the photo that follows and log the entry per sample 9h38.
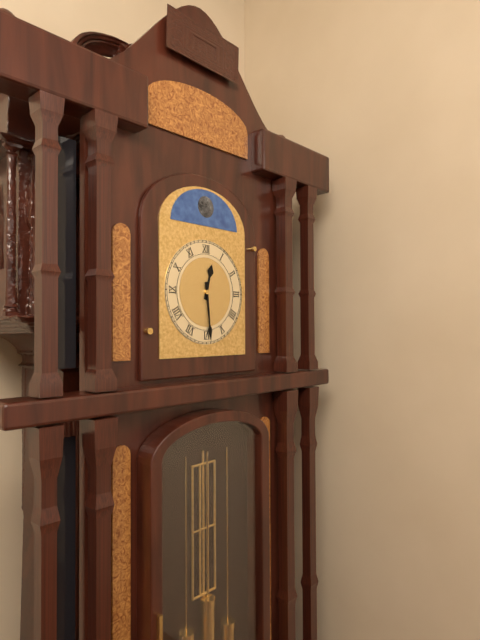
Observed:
12h29
